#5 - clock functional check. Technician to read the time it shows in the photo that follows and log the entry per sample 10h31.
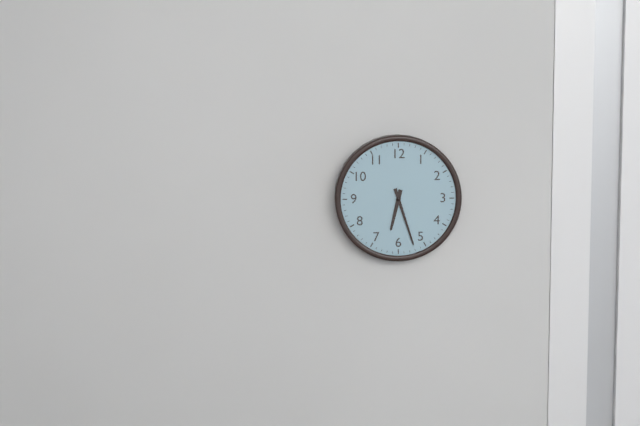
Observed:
6h27
